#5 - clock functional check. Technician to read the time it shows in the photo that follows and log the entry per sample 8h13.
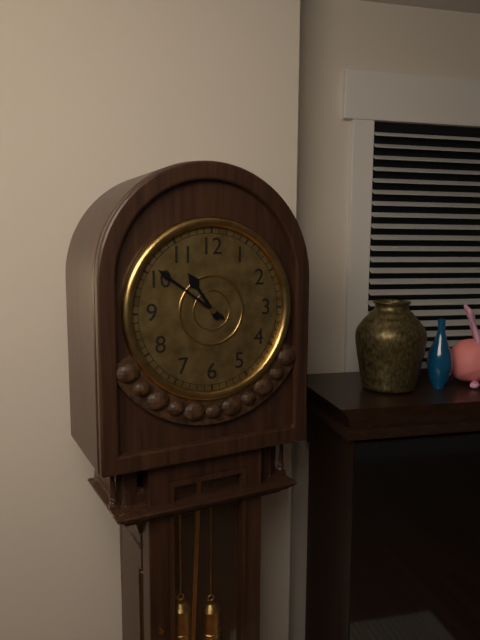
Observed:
10h51
